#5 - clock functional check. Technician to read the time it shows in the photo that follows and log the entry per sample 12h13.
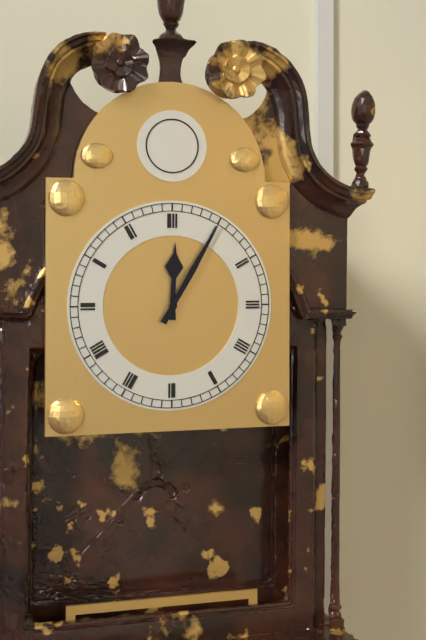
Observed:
12h05
